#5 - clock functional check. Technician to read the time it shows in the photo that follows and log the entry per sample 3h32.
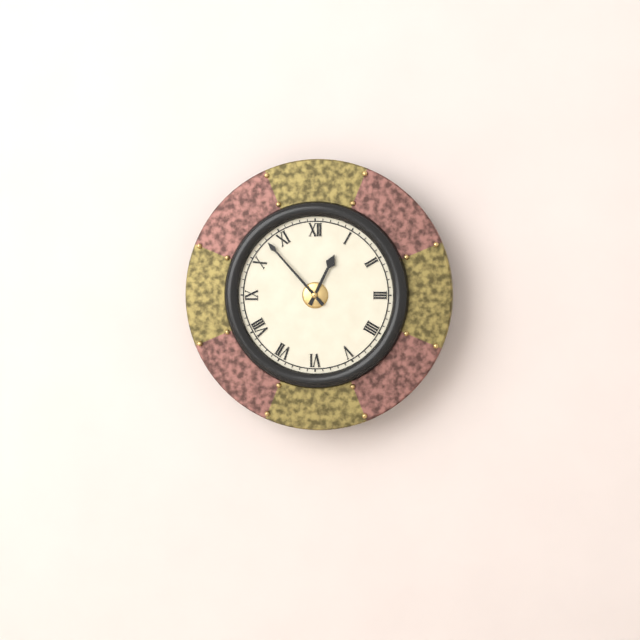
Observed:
12h53
